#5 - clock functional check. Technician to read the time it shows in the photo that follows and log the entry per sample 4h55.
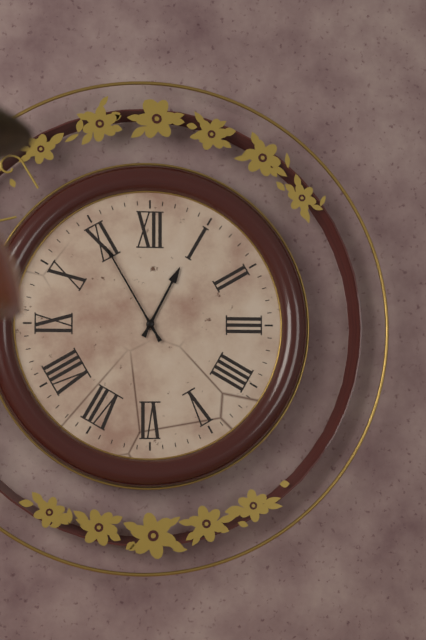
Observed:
12h55
